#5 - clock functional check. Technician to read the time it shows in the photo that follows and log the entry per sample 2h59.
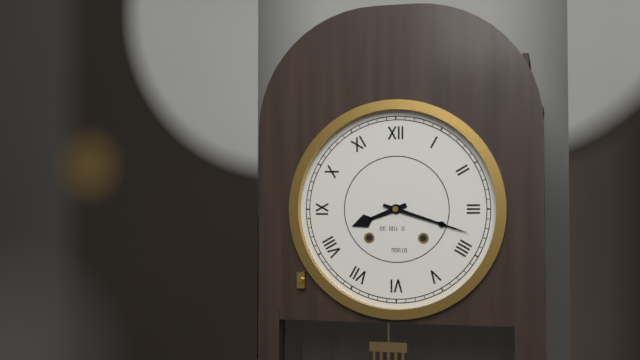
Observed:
8h18
